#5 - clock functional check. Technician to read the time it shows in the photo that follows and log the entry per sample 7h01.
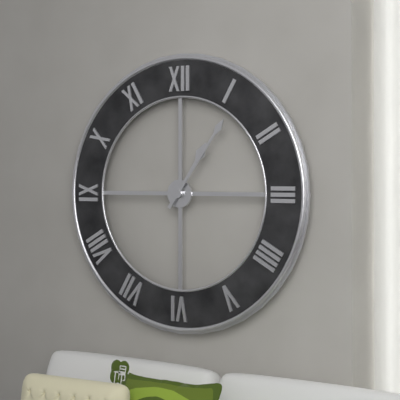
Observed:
1h06
